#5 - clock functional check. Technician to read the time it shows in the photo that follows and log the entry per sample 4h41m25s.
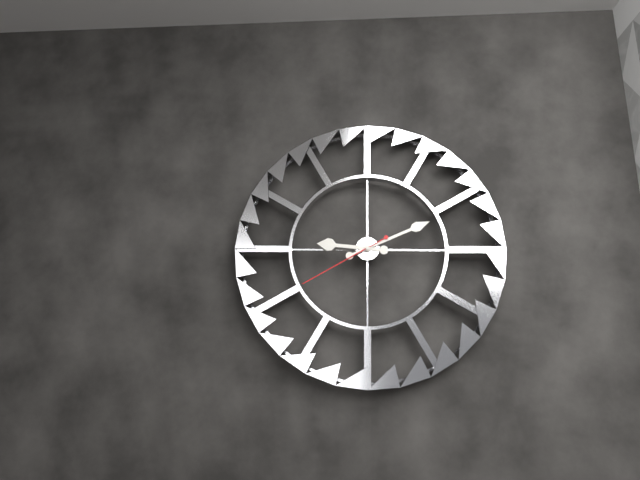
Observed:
9h11m40s
